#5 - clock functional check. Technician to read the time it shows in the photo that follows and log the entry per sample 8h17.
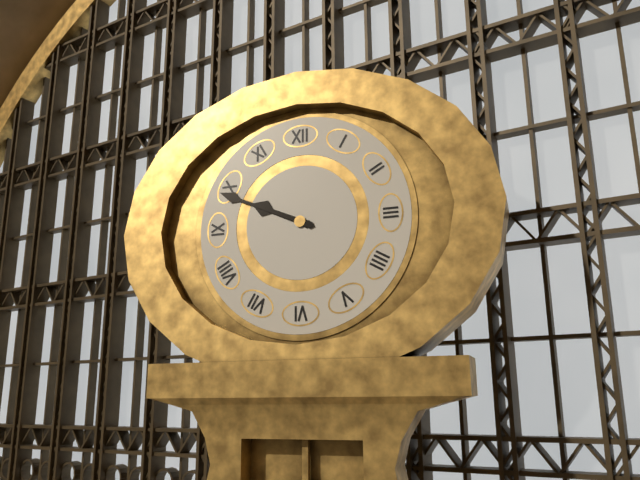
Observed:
9h49
